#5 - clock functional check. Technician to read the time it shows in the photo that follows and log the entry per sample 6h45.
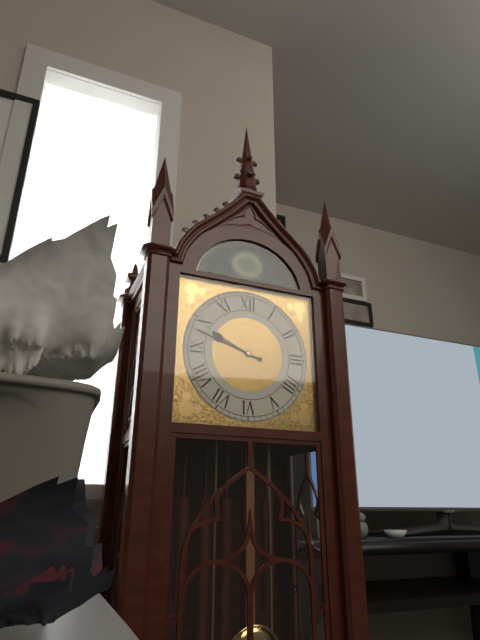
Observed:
9h48
